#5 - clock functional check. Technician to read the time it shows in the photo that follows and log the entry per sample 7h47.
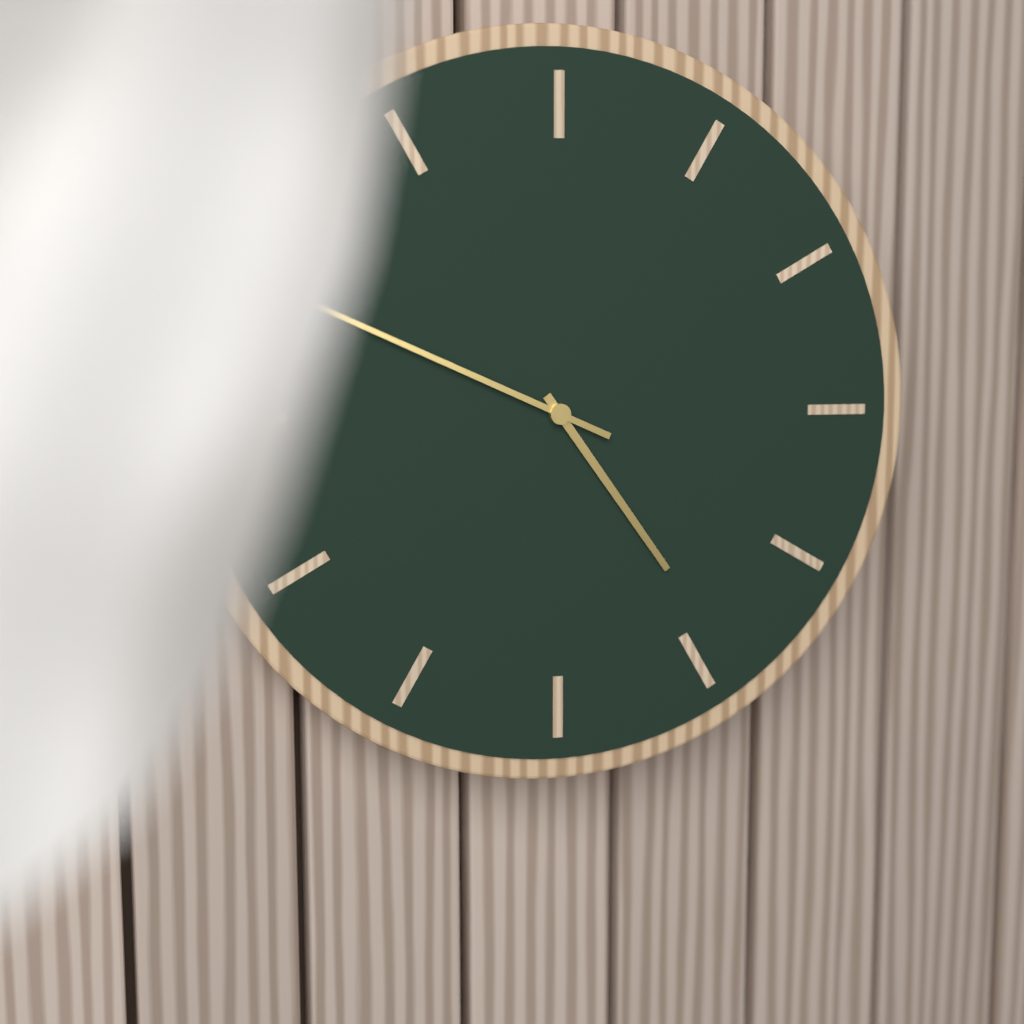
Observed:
4h49
